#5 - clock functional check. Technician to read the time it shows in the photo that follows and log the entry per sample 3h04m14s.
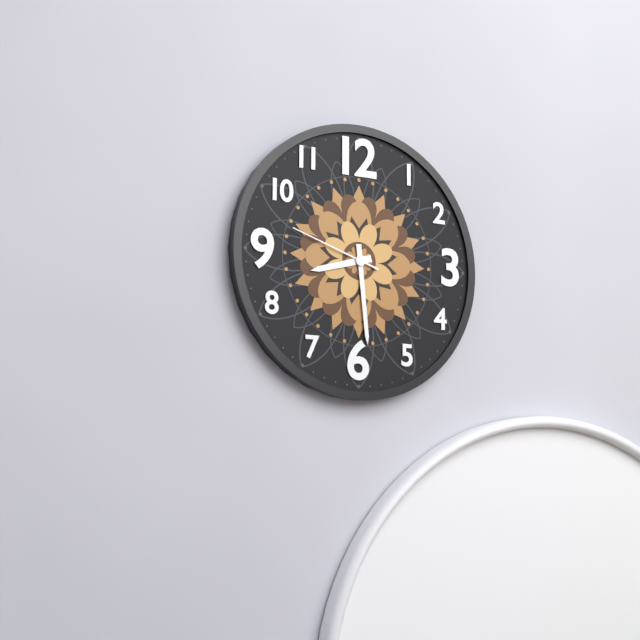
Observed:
8h29m48s
